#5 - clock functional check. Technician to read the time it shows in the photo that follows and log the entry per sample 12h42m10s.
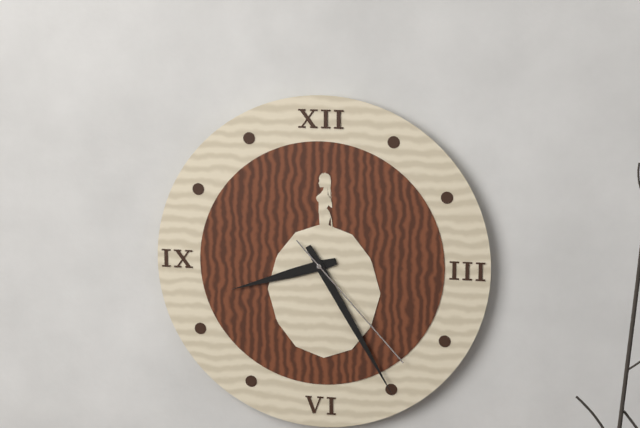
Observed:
8h25m23s
